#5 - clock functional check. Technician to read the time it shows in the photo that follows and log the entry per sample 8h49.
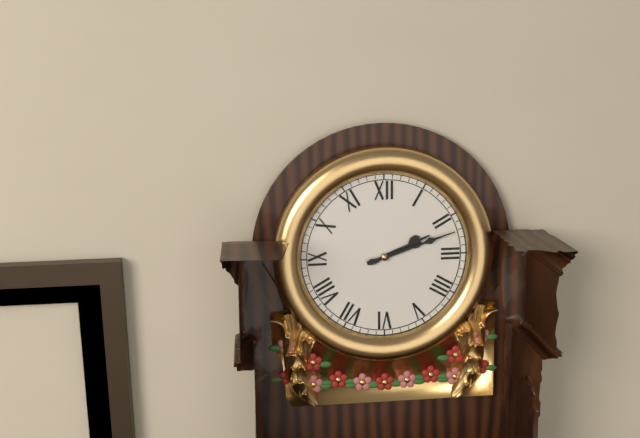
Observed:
2h12
